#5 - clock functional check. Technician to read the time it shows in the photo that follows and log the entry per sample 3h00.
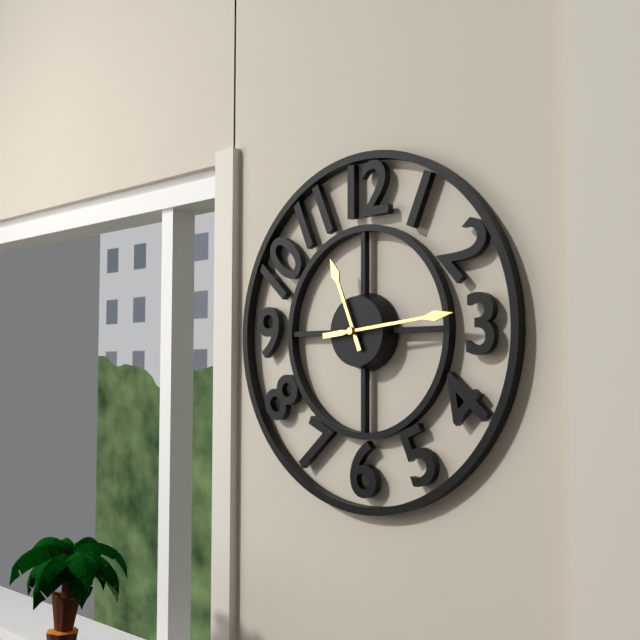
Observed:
11h14
